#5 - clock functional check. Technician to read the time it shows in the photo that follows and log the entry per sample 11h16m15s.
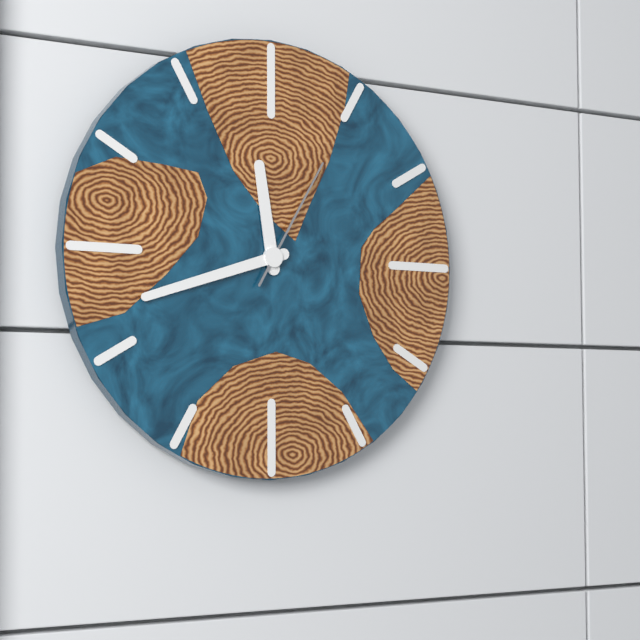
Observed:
11h42m05s
